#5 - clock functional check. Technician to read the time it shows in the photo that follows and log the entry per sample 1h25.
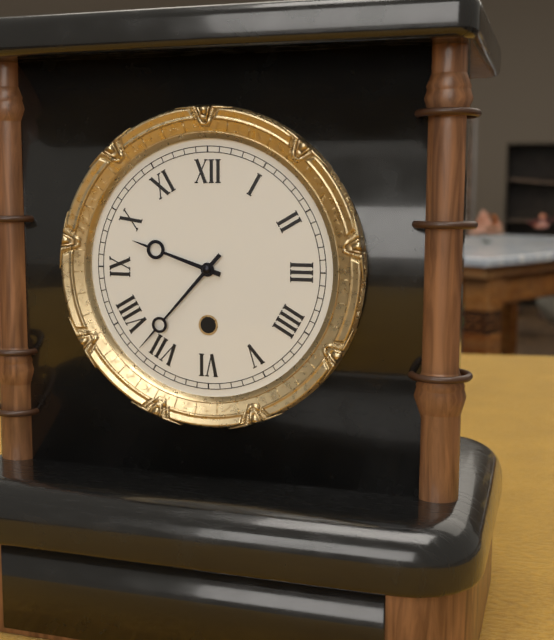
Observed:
9h37
